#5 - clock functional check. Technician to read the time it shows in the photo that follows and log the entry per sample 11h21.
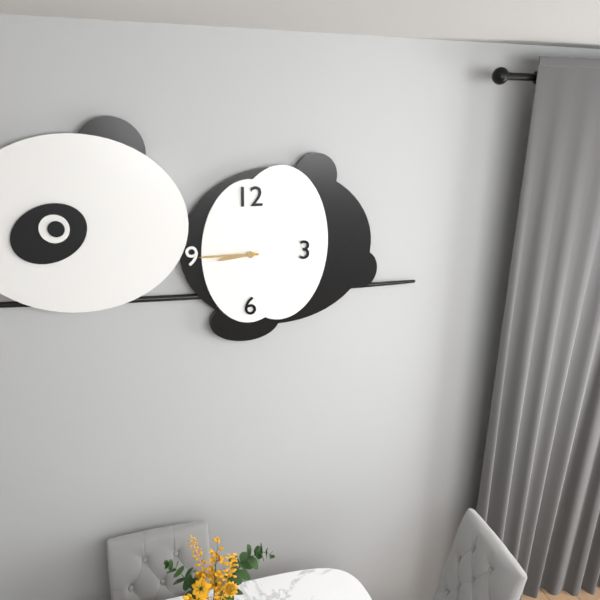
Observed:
8h45
